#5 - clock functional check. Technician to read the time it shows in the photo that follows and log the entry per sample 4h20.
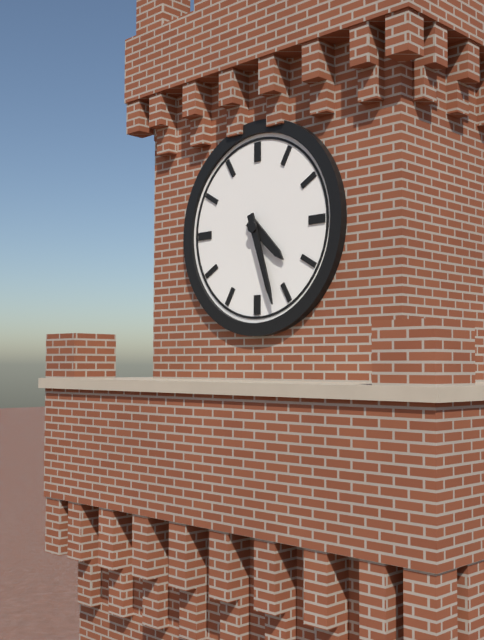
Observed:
4h27
